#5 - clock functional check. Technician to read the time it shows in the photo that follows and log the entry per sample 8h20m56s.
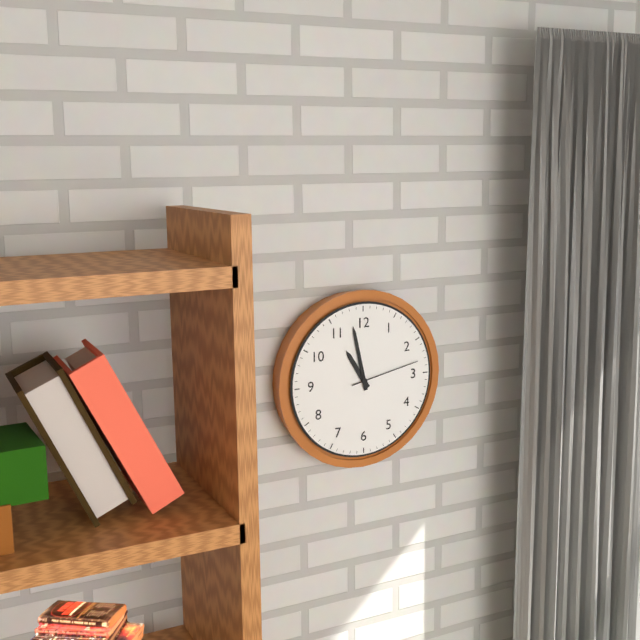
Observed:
10h58m13s
